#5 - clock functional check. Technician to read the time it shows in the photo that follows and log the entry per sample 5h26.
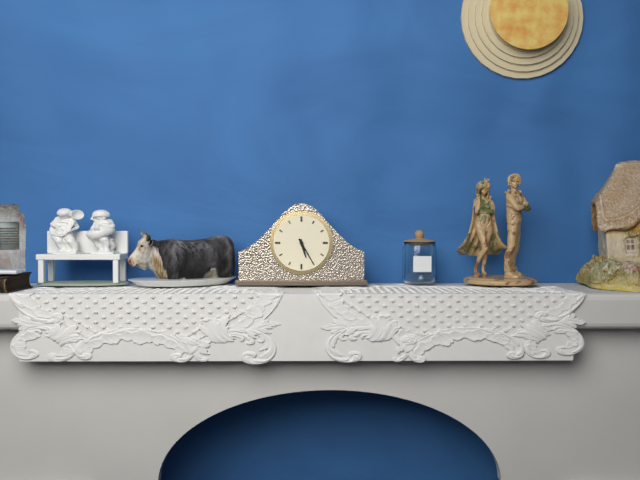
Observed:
5h25
